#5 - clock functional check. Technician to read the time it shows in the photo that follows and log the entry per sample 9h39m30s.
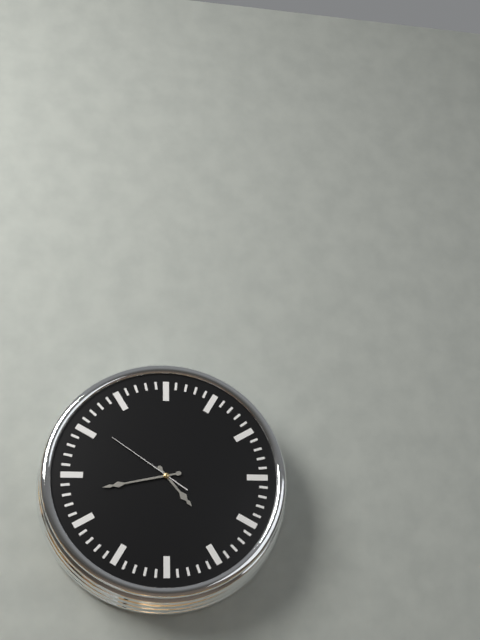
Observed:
4h43m51s
